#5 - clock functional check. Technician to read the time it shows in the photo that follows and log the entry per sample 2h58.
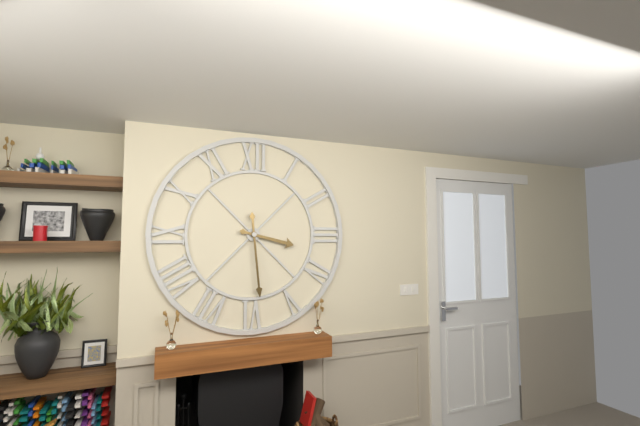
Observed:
3h29
